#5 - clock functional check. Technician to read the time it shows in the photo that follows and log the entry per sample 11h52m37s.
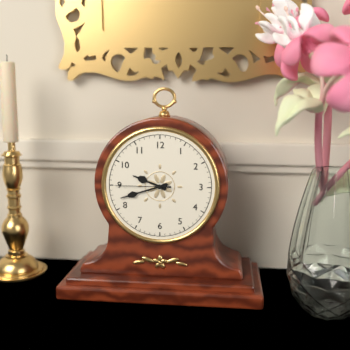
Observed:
9h42m45s
